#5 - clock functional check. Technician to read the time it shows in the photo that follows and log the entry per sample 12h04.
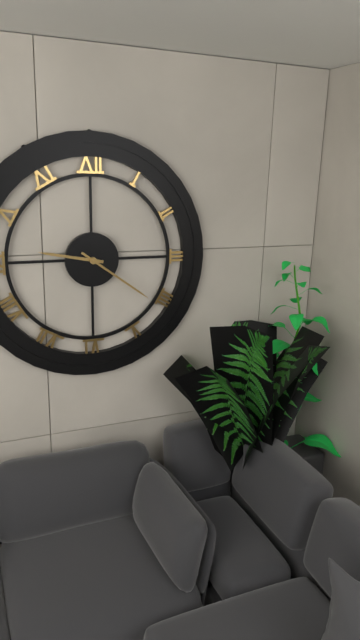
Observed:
9h21
